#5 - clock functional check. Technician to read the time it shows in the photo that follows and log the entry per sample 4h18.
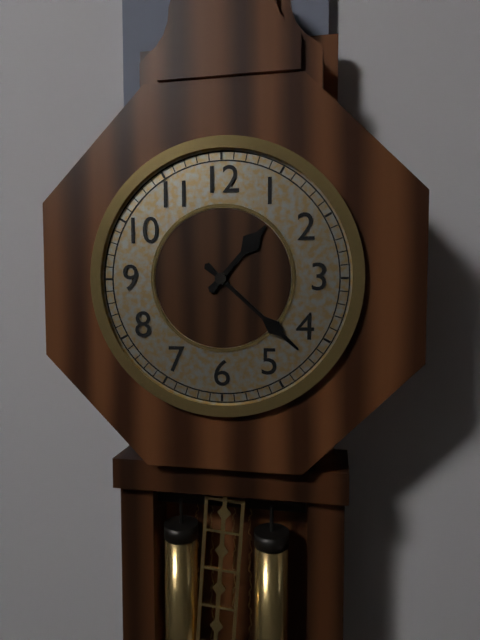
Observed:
1h22
